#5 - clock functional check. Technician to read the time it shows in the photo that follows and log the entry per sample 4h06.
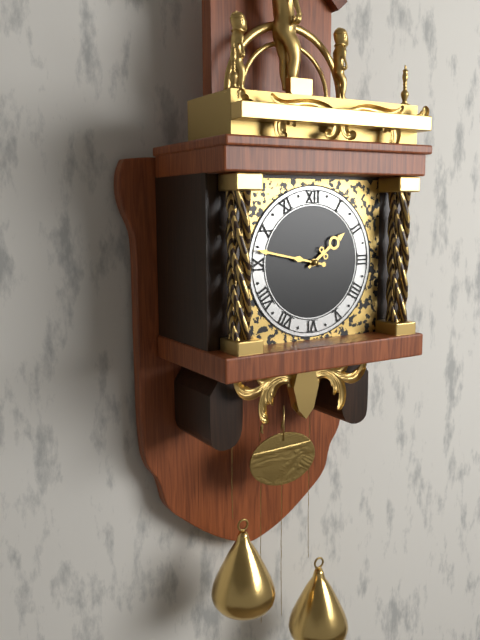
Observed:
1h47
